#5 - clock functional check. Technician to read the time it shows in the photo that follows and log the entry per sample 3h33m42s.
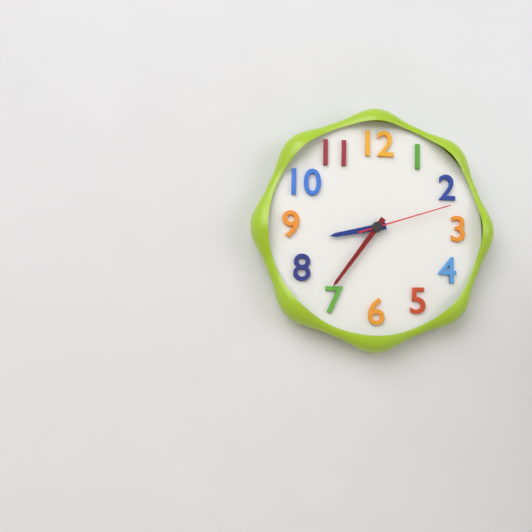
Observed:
8h36m12s
